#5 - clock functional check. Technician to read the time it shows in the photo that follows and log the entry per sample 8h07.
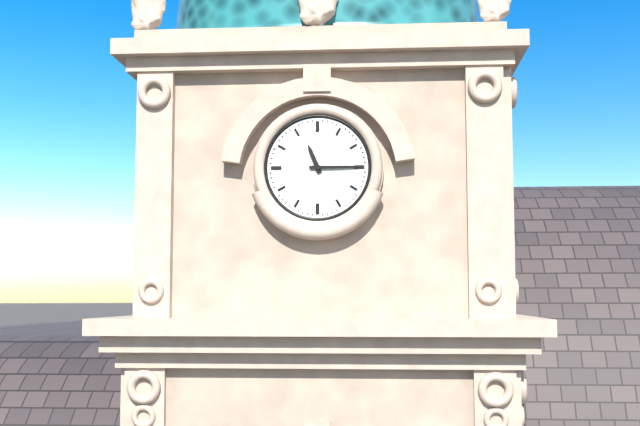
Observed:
11h15
